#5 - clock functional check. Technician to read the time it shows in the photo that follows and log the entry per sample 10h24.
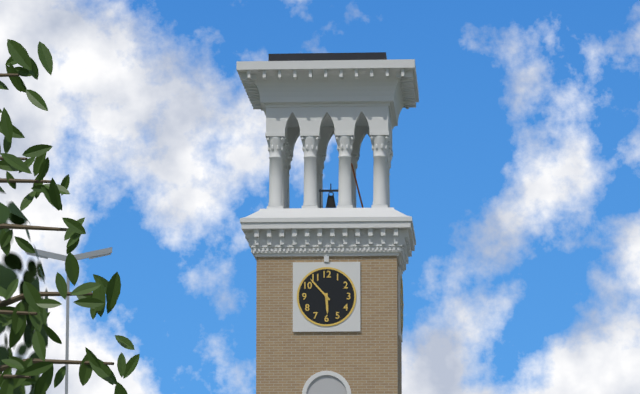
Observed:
5h53
